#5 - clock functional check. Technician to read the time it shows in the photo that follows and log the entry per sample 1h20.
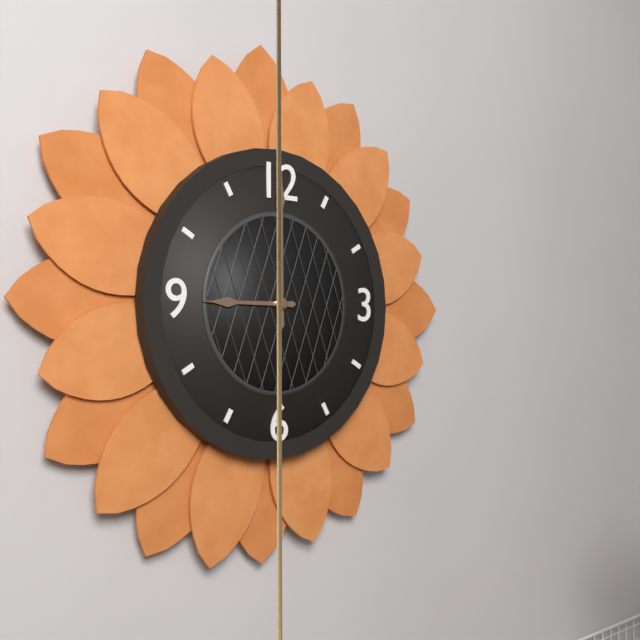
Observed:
9h00
